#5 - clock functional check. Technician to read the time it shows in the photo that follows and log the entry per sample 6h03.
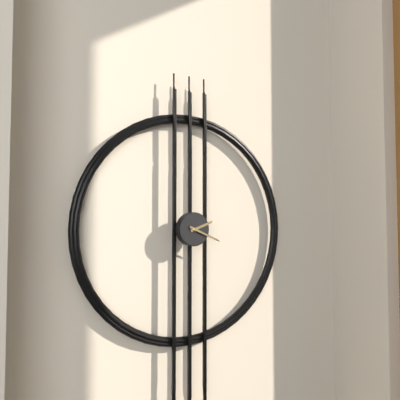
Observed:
2h19
